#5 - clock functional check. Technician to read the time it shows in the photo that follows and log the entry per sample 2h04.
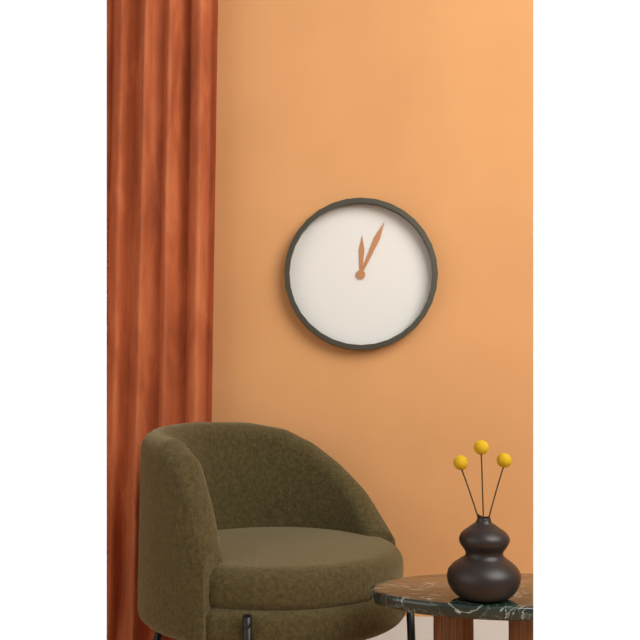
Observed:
12h04
